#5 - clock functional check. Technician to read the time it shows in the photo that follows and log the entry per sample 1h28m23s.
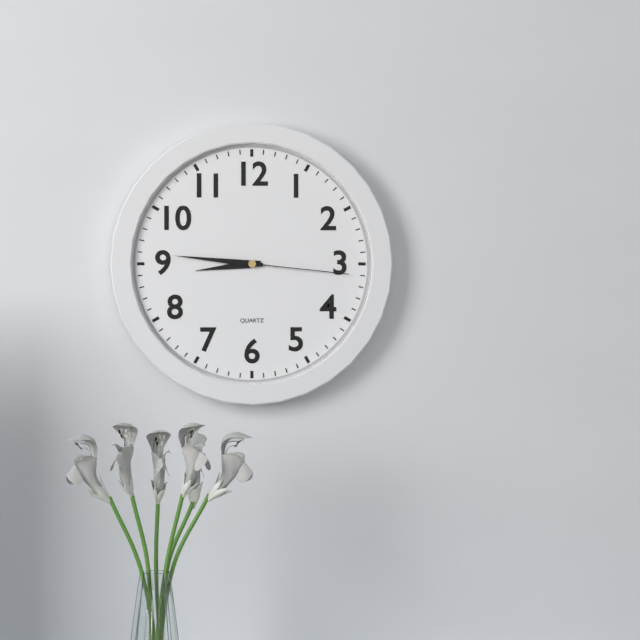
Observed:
8h46m16s
